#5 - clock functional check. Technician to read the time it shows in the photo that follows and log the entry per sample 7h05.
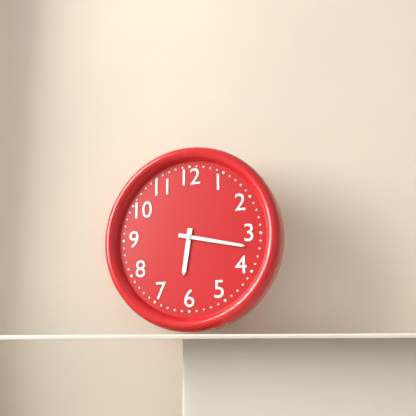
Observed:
6h17
